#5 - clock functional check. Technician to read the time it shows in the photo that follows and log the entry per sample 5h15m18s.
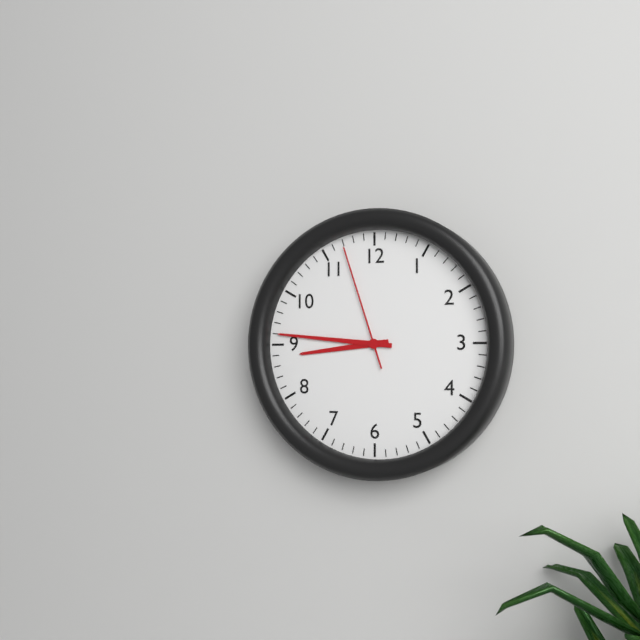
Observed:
8h46m57s
